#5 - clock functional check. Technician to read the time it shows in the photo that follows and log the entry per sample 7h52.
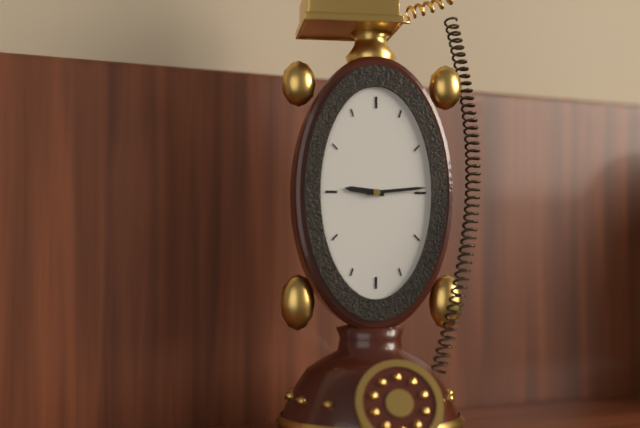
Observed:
9h14
